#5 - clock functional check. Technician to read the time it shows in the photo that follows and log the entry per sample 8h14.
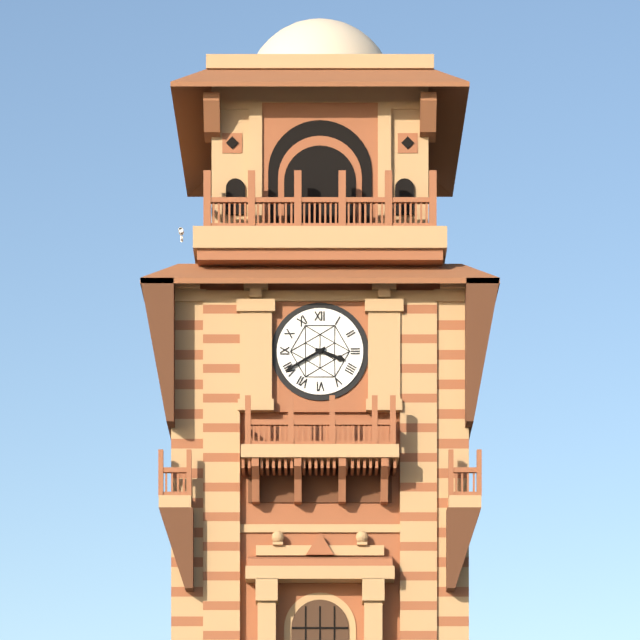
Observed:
3h40
